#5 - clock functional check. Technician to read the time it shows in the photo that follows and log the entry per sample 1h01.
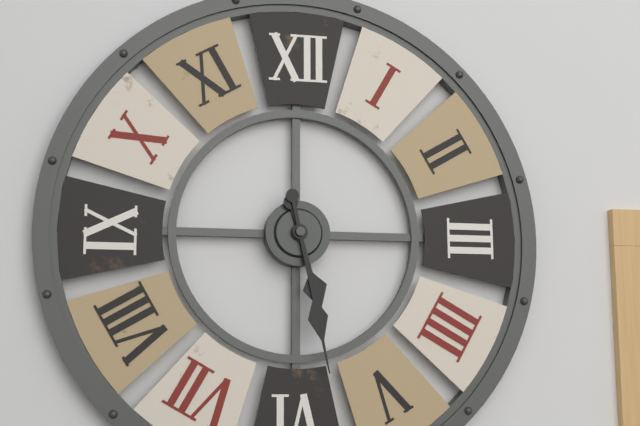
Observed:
5h28
